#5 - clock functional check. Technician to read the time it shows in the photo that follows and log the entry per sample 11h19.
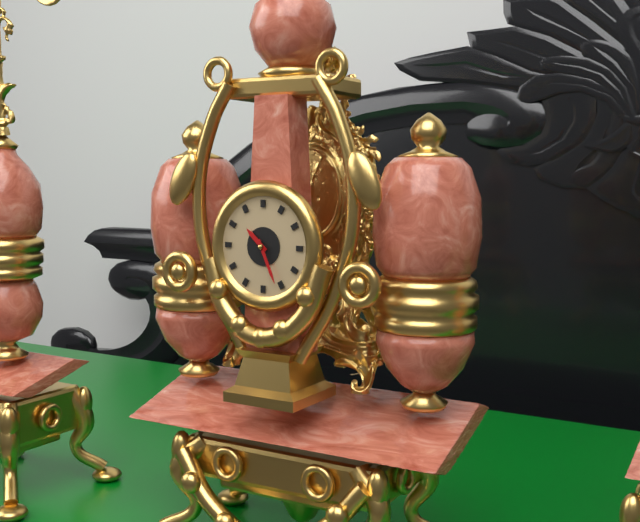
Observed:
10h26
